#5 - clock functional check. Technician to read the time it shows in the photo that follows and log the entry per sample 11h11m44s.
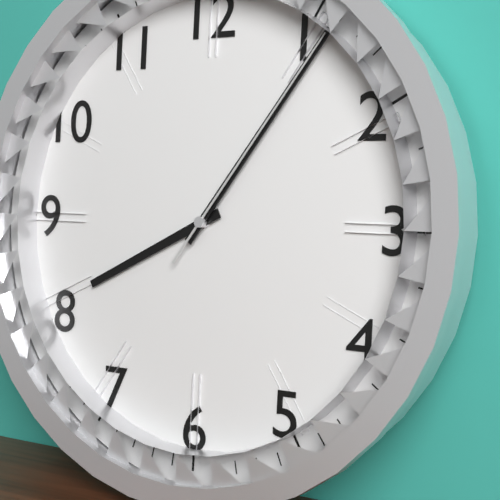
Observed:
8h06m06s
